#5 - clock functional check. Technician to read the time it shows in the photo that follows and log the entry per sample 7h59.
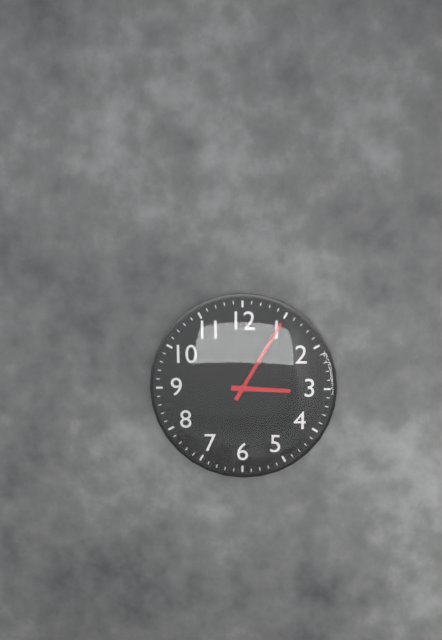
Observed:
3h05
